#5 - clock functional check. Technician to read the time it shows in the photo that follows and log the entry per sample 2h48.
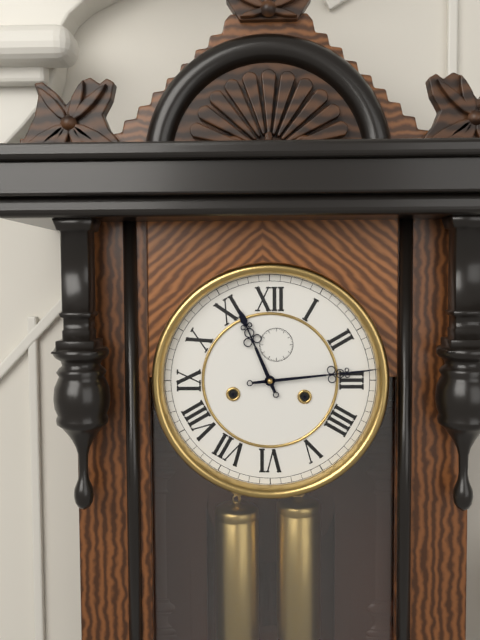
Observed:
11h14
